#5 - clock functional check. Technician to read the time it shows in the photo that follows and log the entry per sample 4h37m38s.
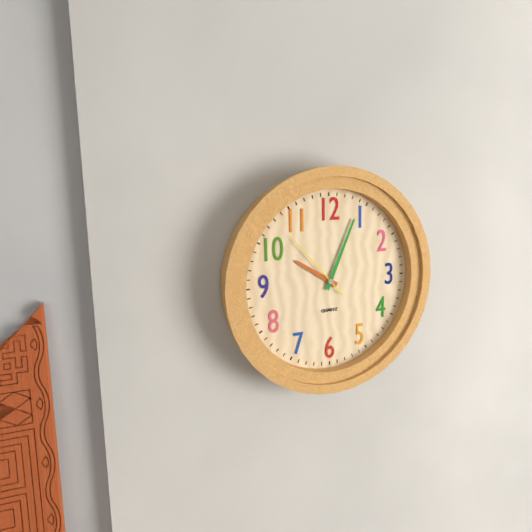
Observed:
10h04m53s
